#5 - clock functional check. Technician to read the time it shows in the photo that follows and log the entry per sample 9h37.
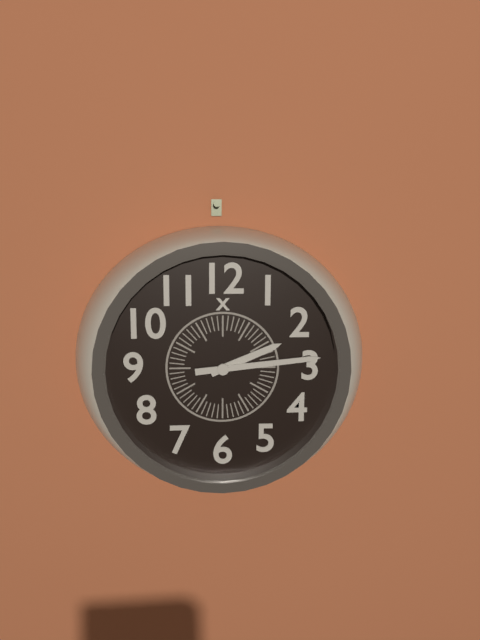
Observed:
2h14
